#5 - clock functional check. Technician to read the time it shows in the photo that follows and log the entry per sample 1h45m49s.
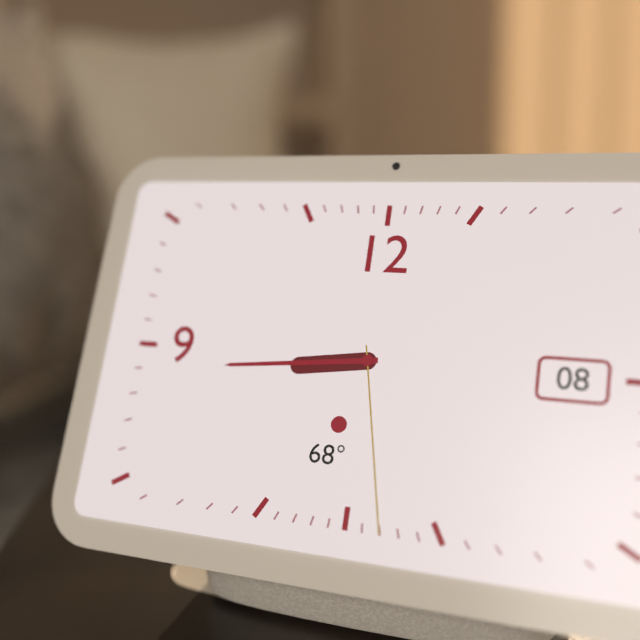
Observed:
8h44m28s
